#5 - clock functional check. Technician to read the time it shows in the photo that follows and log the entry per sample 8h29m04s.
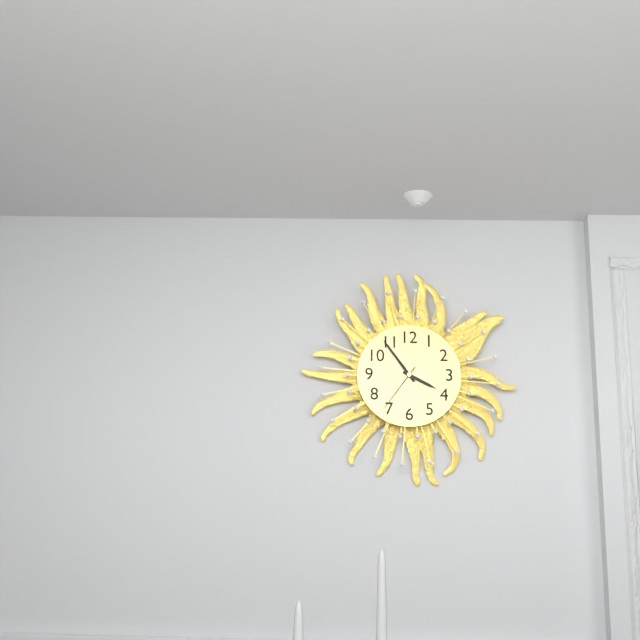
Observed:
3h54m36s
